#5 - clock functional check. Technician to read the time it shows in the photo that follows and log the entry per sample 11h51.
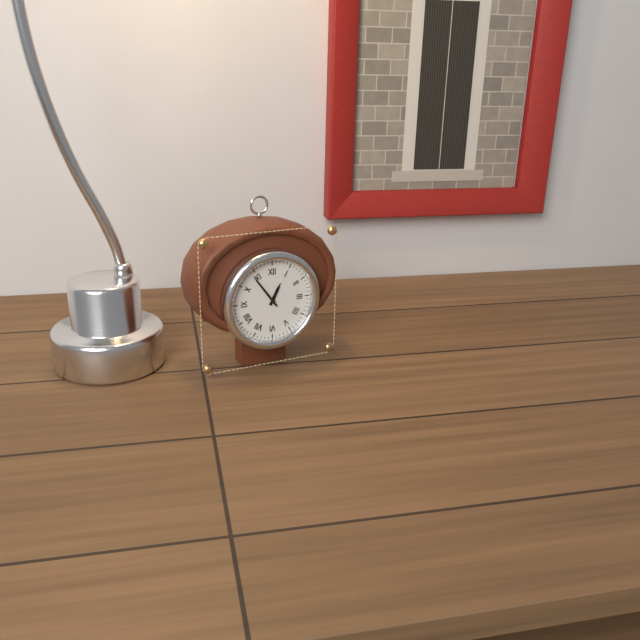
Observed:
12h54
